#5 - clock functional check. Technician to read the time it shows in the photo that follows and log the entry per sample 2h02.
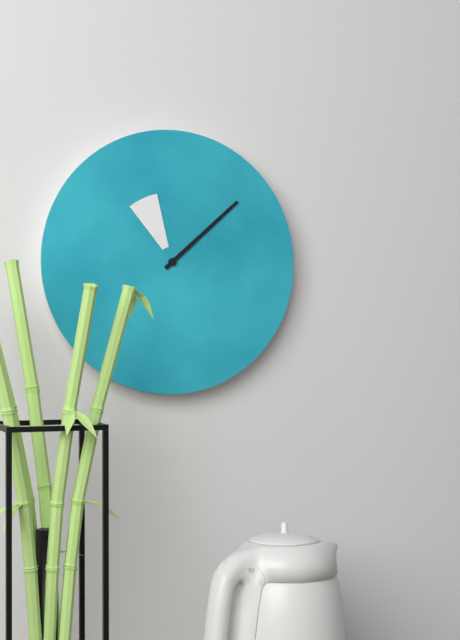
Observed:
11h08
